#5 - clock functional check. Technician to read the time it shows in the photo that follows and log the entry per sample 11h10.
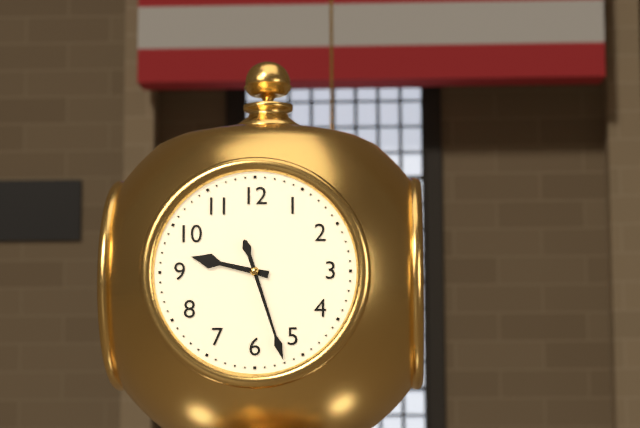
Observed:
9h27
